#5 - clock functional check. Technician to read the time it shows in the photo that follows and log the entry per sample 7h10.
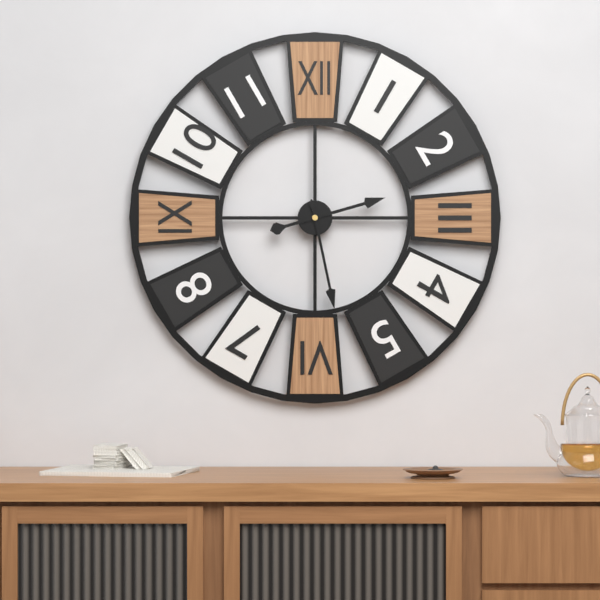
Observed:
2h28
